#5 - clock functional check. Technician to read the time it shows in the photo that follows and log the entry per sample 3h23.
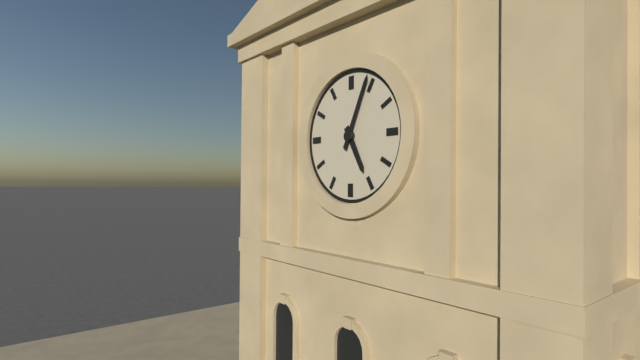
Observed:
5h04
